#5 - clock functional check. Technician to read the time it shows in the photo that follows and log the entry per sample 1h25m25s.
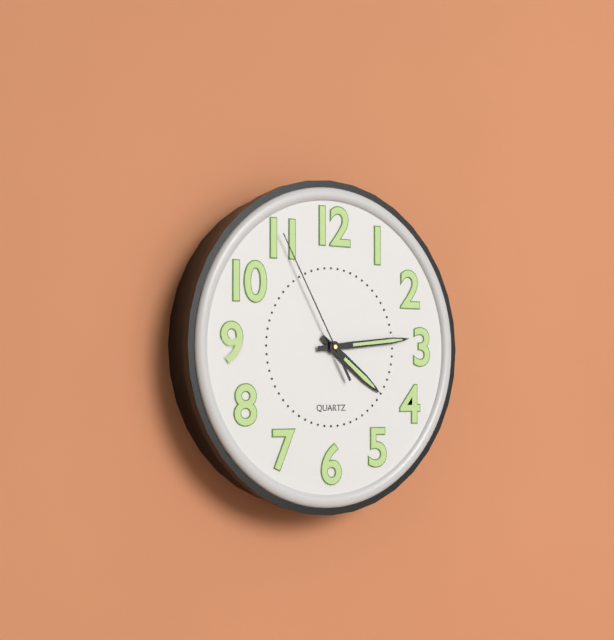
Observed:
4h14m55s
